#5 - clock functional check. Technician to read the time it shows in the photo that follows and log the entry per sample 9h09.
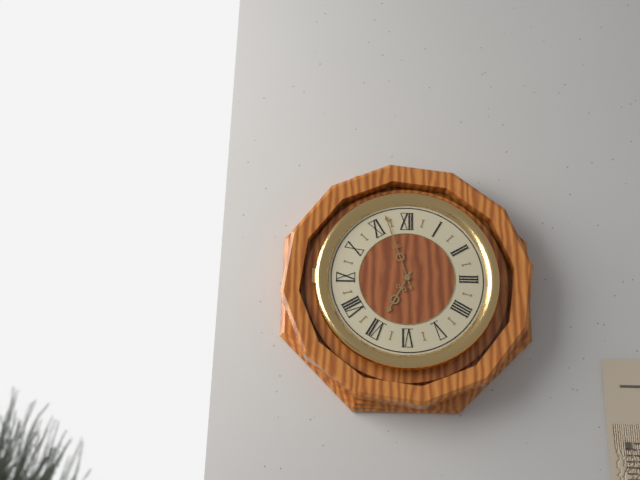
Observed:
6h57
